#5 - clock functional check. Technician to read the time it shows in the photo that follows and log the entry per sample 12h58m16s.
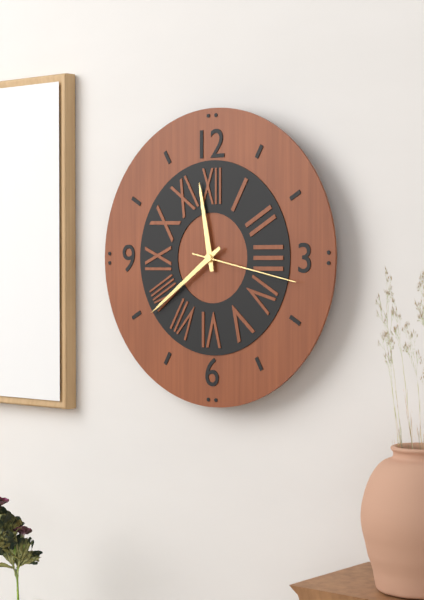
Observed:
11h39m17s
